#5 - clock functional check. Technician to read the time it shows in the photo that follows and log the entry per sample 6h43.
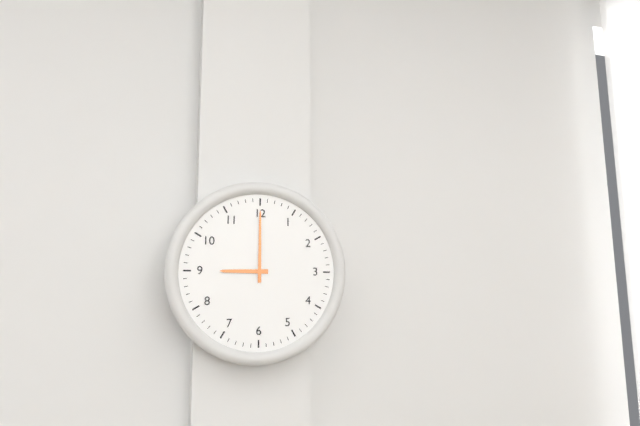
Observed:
9h00
